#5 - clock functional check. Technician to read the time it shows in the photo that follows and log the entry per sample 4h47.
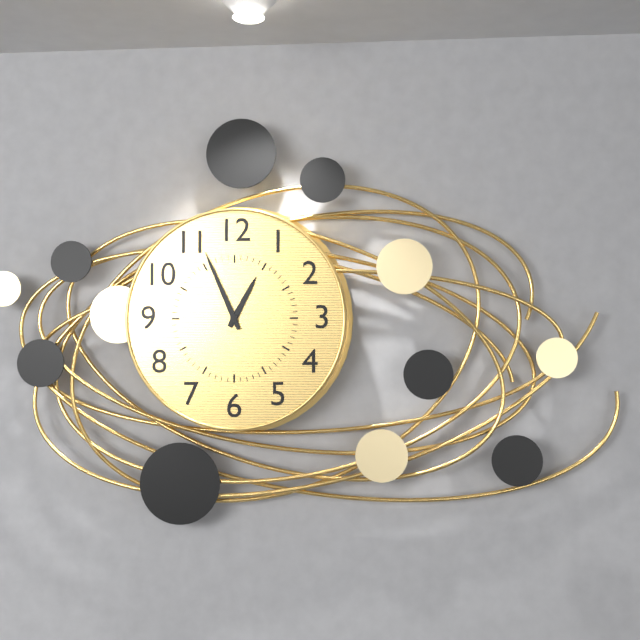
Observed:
12h56
